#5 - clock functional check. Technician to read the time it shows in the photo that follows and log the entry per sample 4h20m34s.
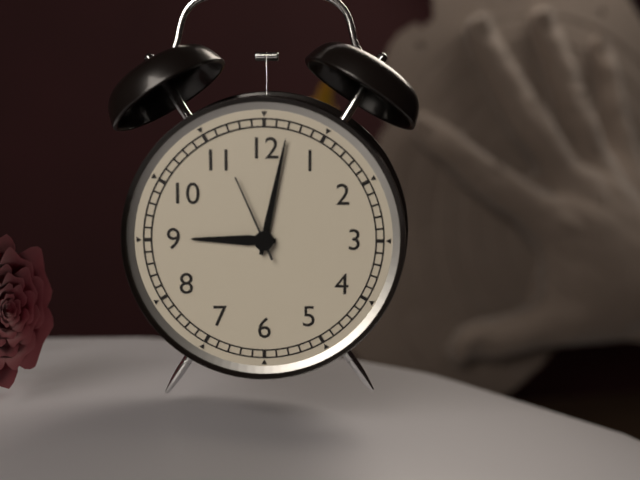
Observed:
9h02m56s
